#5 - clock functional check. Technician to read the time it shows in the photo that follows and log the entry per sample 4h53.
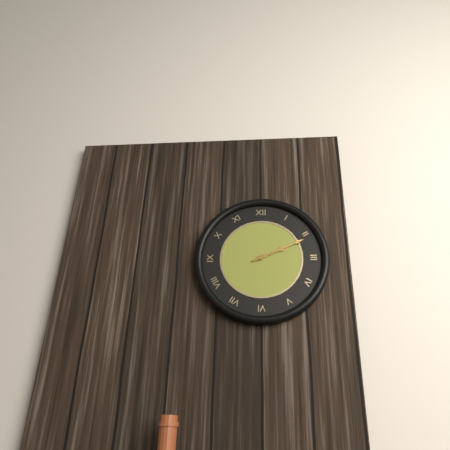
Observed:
2h11
